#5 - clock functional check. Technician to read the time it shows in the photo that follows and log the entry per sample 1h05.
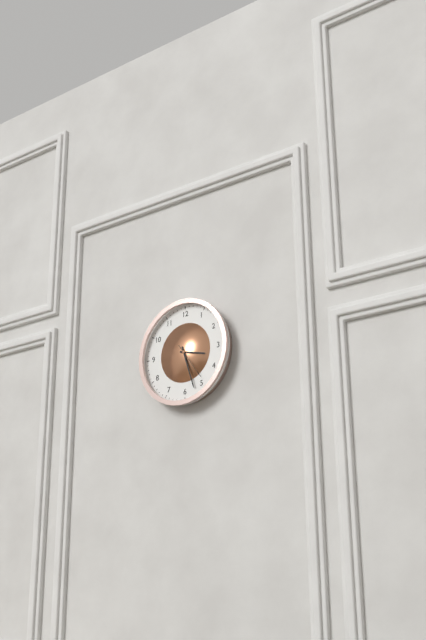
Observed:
3h27
